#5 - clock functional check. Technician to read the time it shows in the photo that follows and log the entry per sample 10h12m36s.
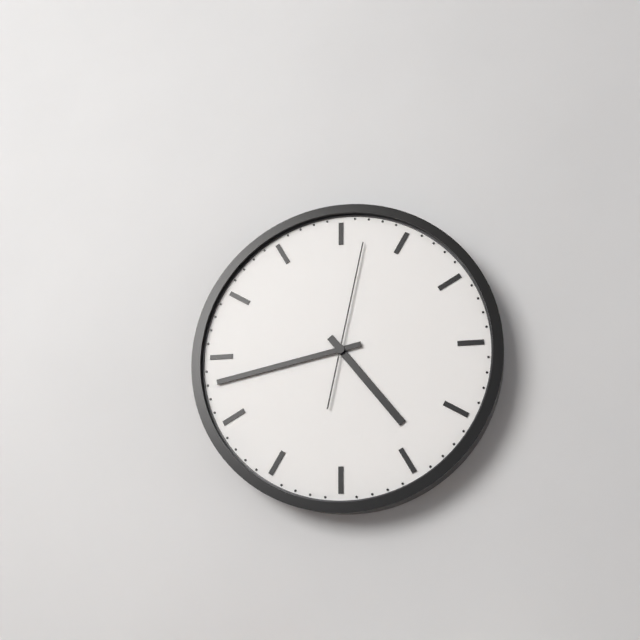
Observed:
4h43m02s
